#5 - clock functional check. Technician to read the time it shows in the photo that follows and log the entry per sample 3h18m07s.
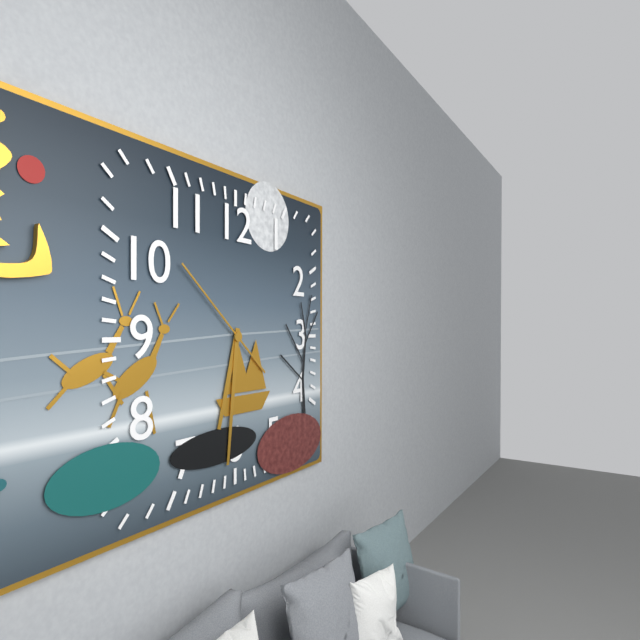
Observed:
6h31m52s
